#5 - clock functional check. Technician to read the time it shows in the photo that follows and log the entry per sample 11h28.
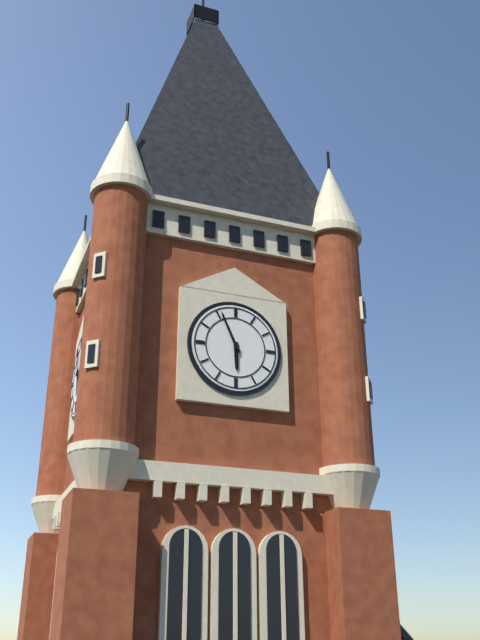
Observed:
5h56
